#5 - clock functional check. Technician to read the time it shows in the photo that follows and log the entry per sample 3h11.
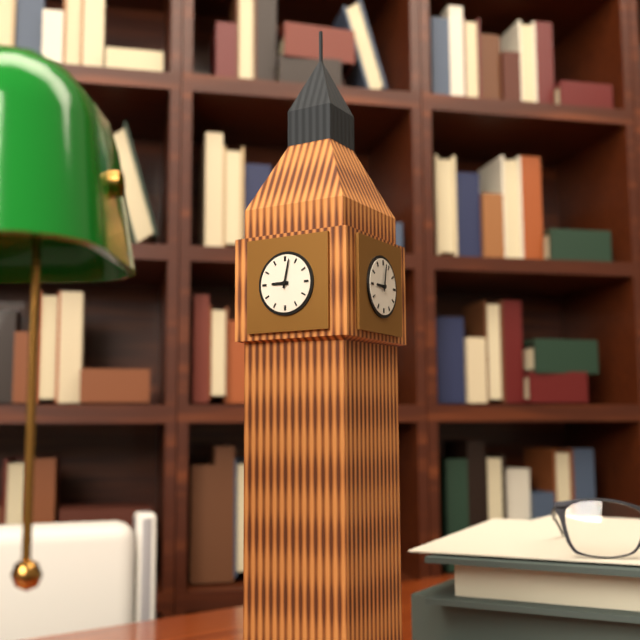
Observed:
9h02
